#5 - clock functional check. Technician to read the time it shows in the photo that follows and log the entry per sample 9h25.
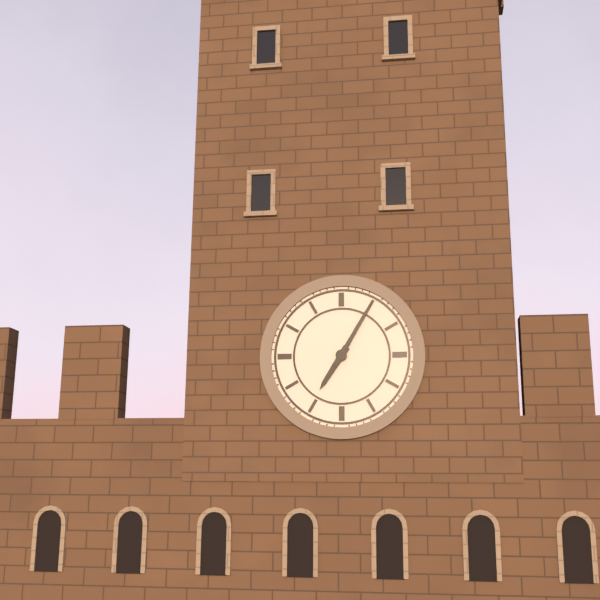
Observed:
7h05
